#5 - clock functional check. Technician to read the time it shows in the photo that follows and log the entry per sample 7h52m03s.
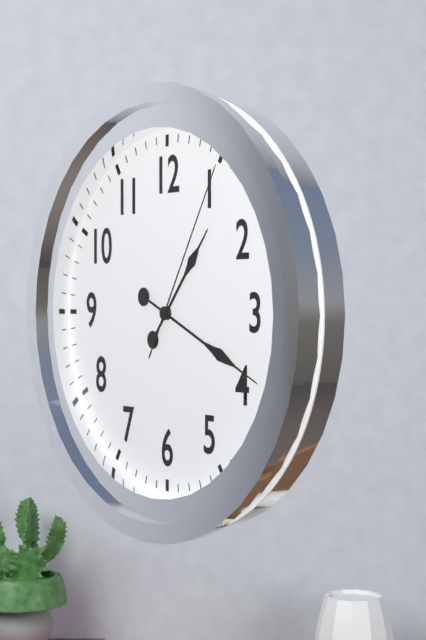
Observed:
1h19m05s
